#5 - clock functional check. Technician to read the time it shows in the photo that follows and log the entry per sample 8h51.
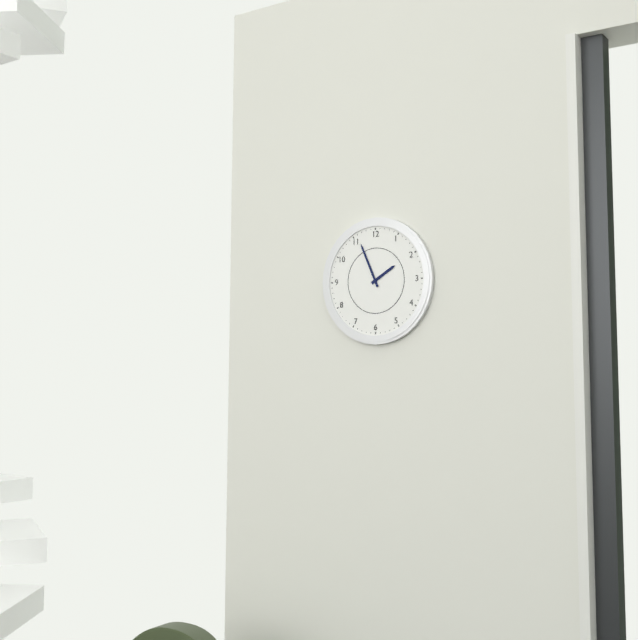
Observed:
1h56
